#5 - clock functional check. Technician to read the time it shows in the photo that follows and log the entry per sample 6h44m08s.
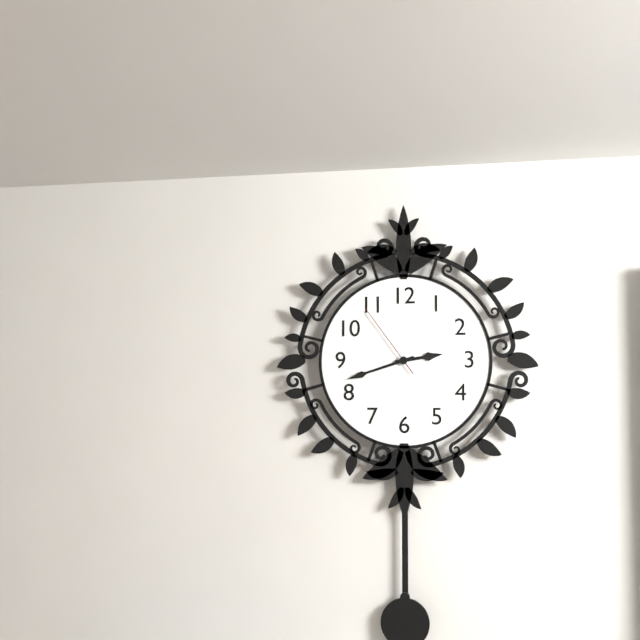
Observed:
2h42m54s
